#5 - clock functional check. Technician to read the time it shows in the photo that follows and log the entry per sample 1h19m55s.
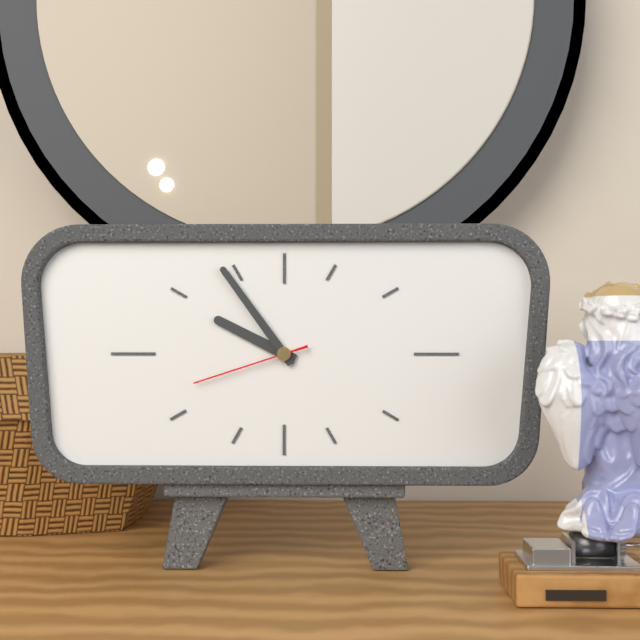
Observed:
9h54m42s
